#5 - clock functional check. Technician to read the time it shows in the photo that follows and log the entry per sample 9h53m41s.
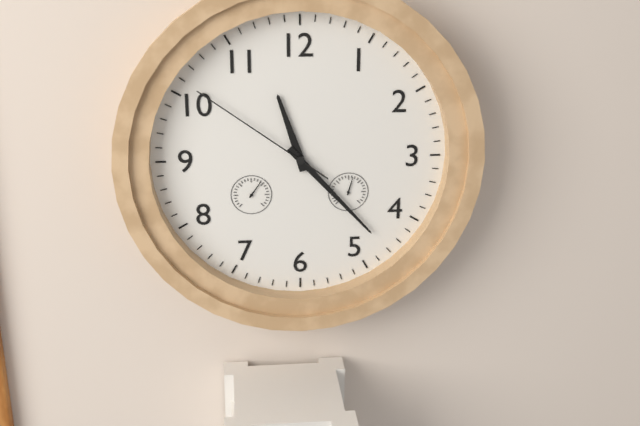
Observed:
11h23m51s
